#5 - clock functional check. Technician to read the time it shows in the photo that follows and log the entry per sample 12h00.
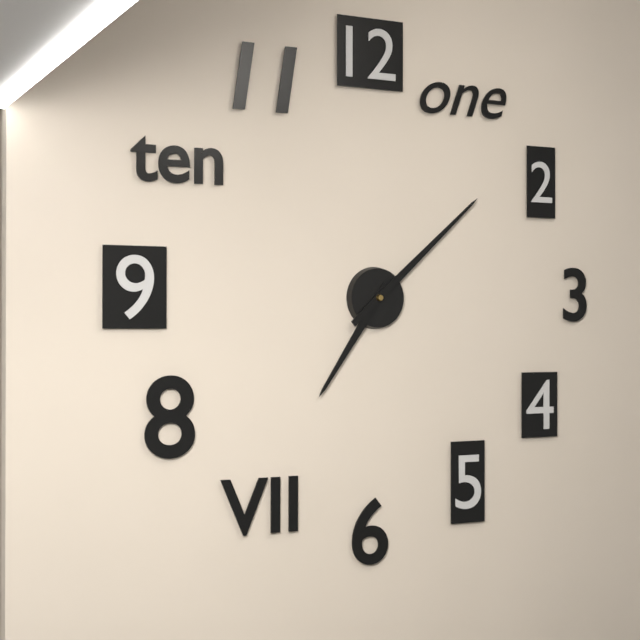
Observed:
7h08
